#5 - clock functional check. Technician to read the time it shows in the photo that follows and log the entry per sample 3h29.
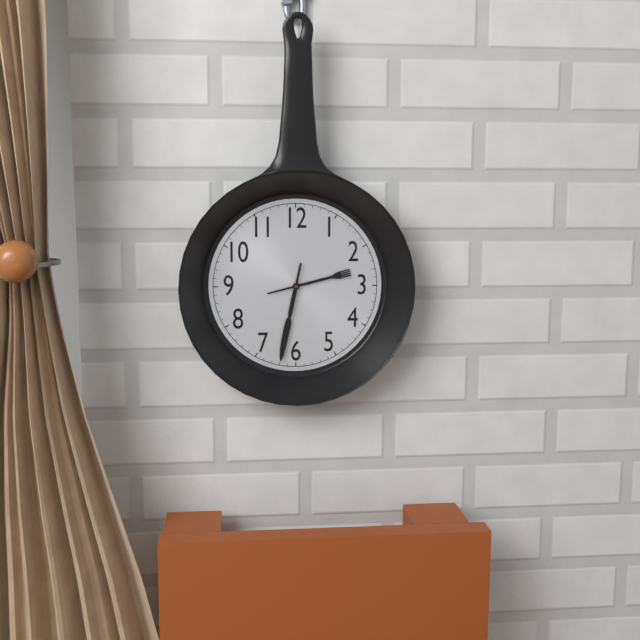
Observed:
2h32
